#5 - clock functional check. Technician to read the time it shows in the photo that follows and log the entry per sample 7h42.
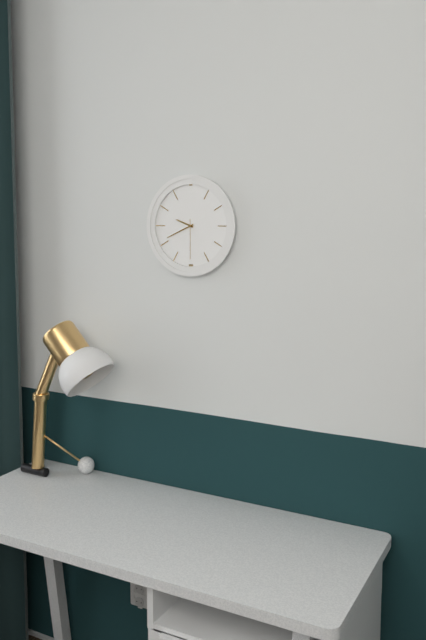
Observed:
9h41
